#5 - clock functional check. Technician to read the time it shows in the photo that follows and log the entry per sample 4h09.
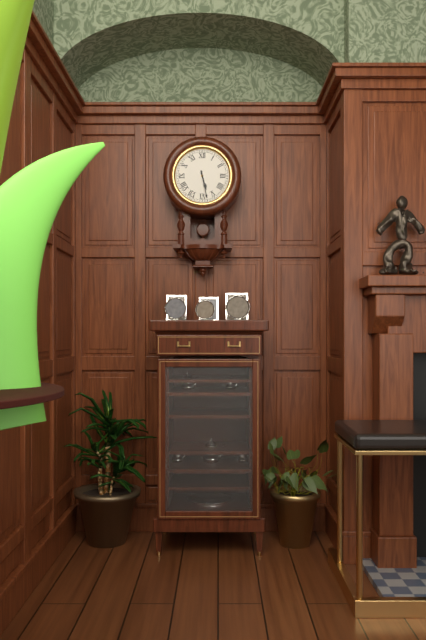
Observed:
5h28
